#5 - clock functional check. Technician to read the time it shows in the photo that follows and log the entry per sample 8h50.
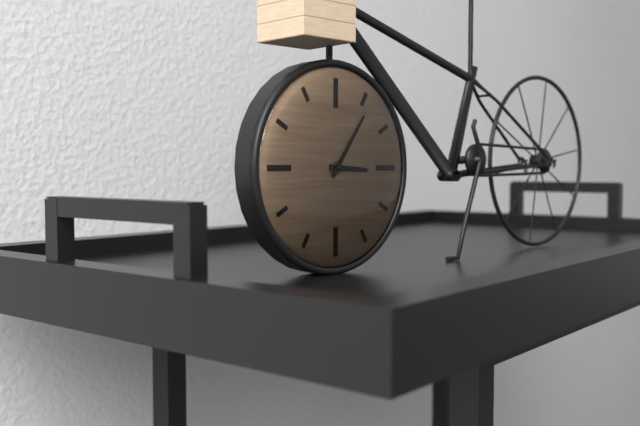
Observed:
3h06
